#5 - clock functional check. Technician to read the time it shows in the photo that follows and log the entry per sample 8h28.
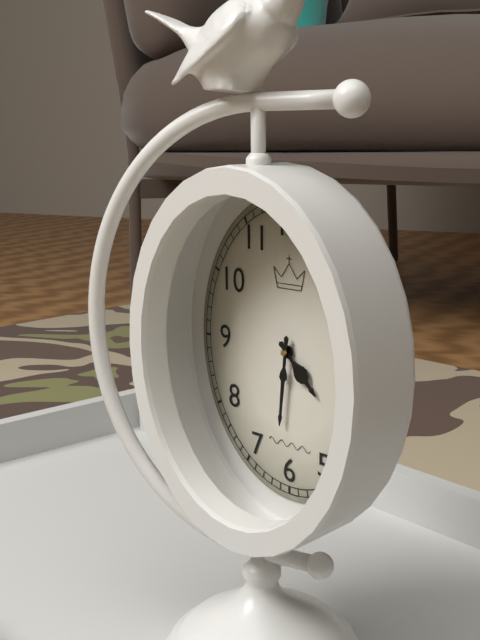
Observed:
4h31
